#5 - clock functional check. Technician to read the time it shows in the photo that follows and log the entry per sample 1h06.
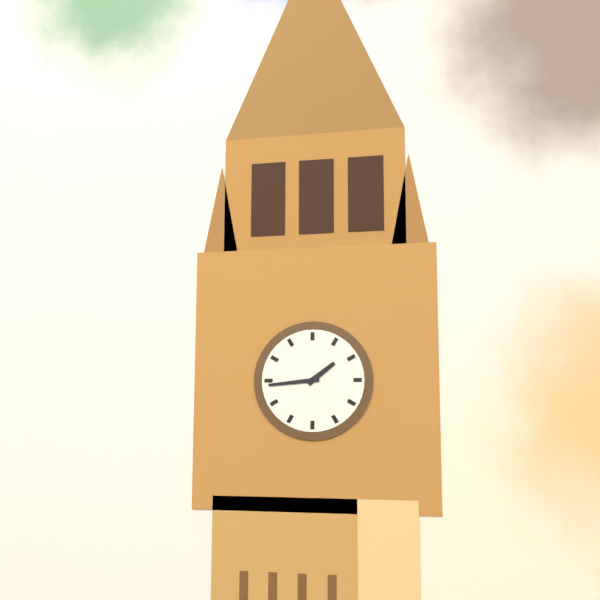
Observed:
1h44
